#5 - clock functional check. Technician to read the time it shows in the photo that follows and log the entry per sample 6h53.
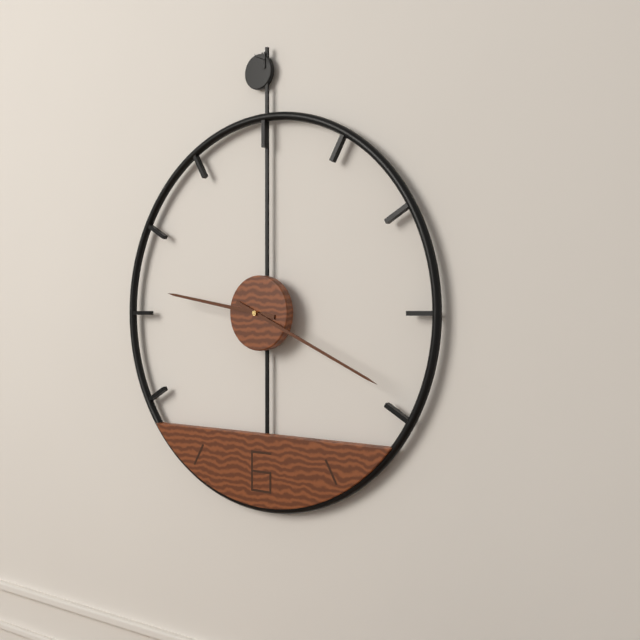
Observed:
9h19
